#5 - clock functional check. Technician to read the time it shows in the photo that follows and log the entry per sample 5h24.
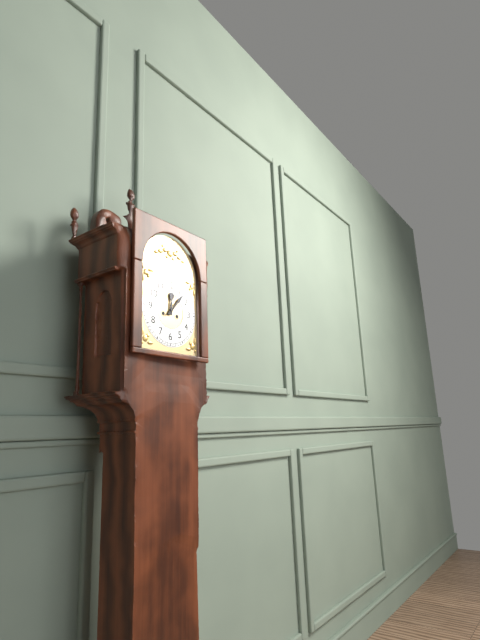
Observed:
12h07
